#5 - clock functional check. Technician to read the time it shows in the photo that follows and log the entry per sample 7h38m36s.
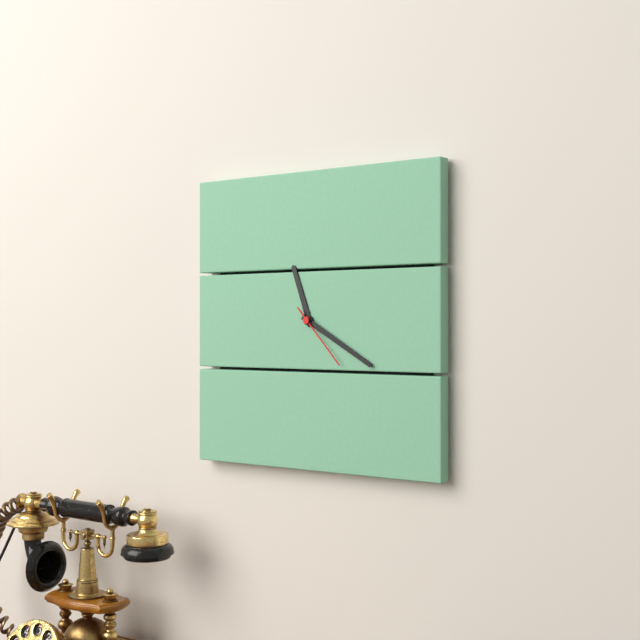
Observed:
11h20m23s
